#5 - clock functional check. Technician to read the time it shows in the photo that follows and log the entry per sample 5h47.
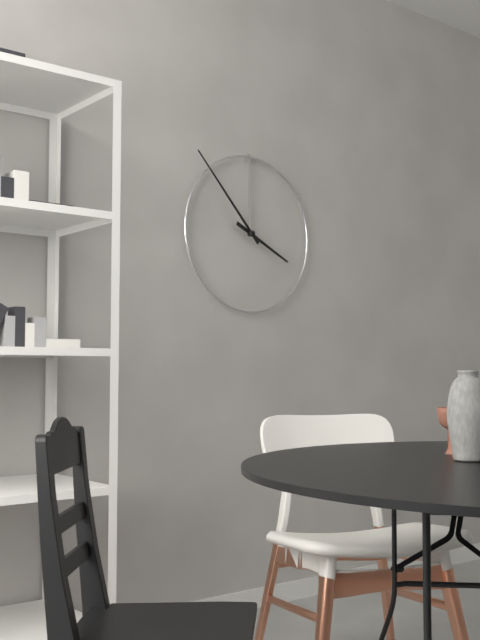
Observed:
3h53
